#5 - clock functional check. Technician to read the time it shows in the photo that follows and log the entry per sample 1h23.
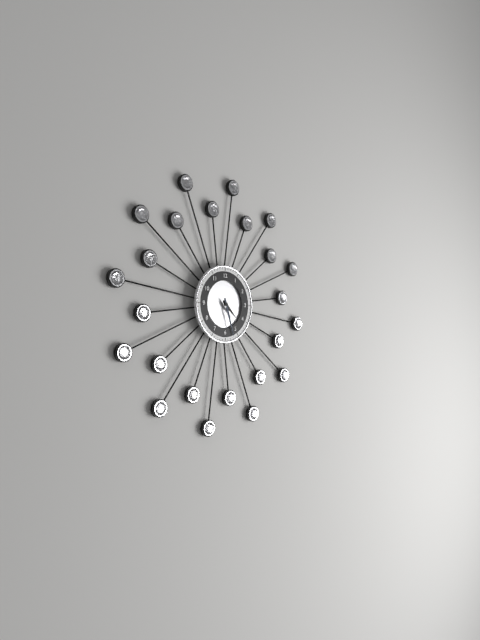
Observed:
4h27
